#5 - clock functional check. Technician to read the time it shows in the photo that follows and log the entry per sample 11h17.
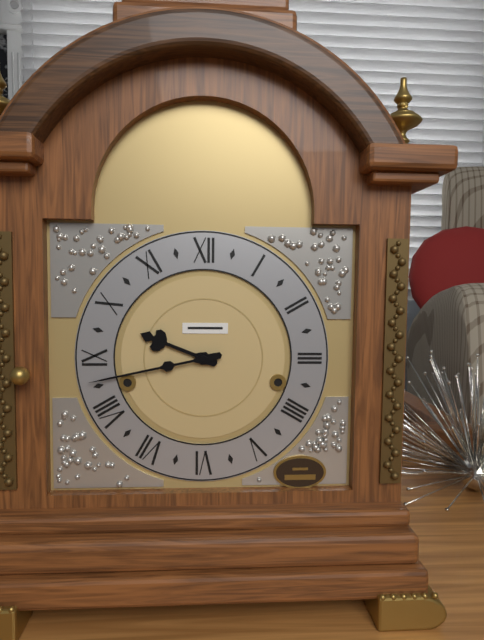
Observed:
9h43
